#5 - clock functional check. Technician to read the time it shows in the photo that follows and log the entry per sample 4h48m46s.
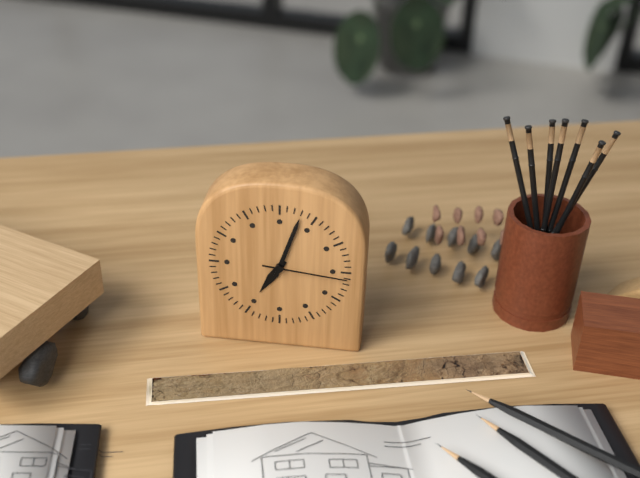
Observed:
7h03m16s
